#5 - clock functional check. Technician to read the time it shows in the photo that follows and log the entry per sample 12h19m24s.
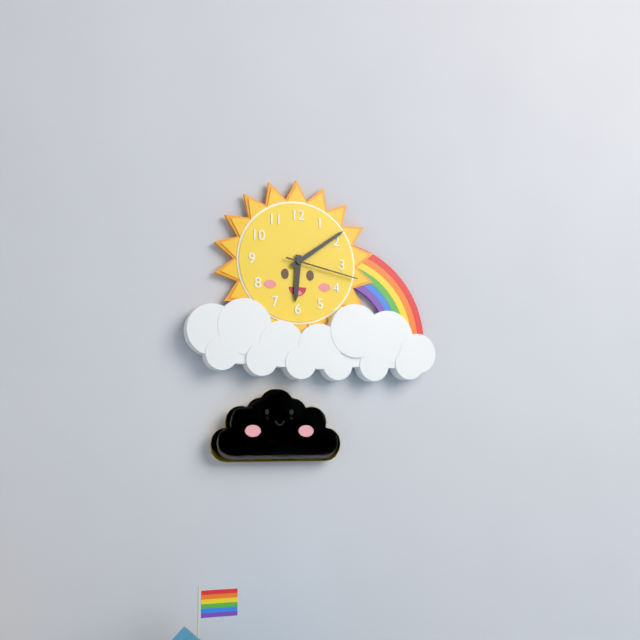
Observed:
6h09m17s
